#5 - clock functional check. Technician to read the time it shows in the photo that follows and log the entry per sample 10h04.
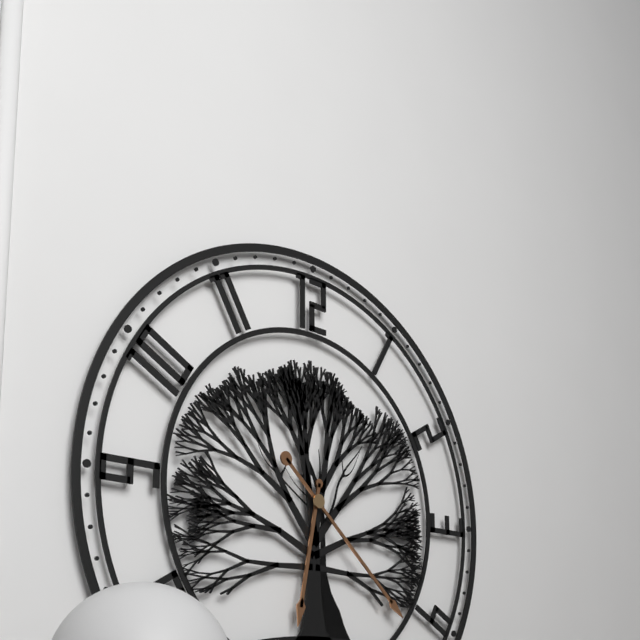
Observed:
6h22
